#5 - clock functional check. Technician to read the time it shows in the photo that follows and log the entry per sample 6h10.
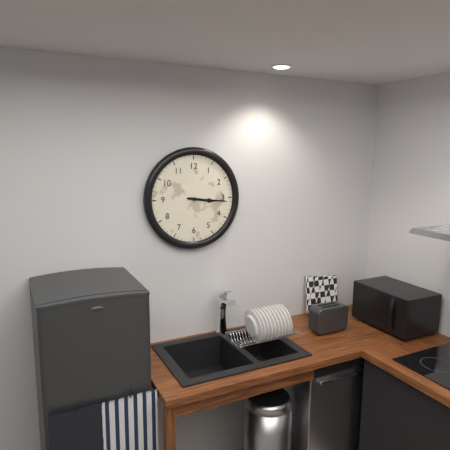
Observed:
3h16
